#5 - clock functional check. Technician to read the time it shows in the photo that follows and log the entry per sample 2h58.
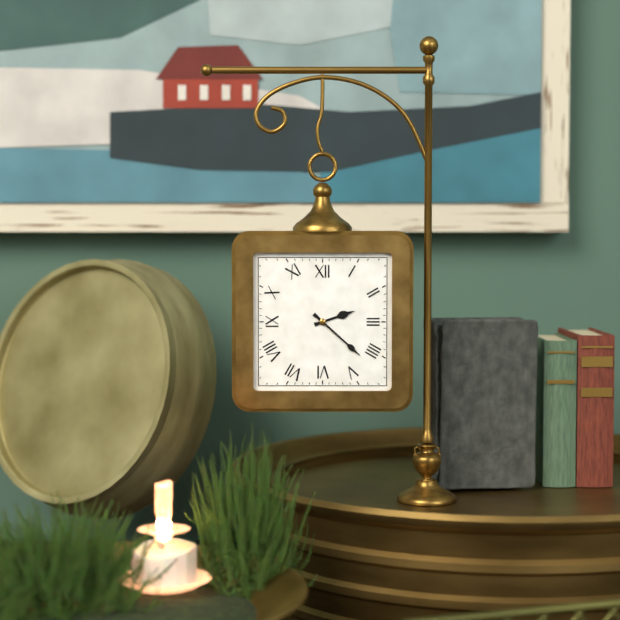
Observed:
2h22
